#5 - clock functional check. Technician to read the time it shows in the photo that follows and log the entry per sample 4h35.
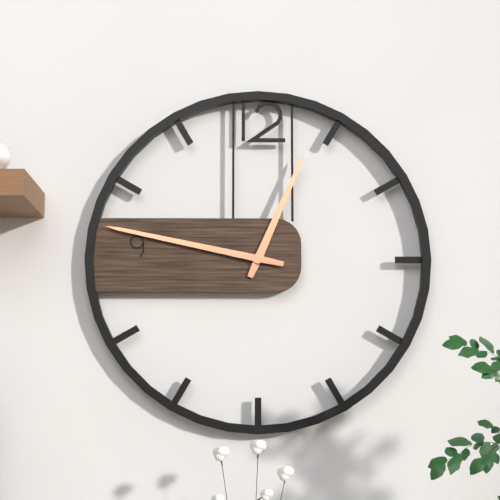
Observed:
12h47
